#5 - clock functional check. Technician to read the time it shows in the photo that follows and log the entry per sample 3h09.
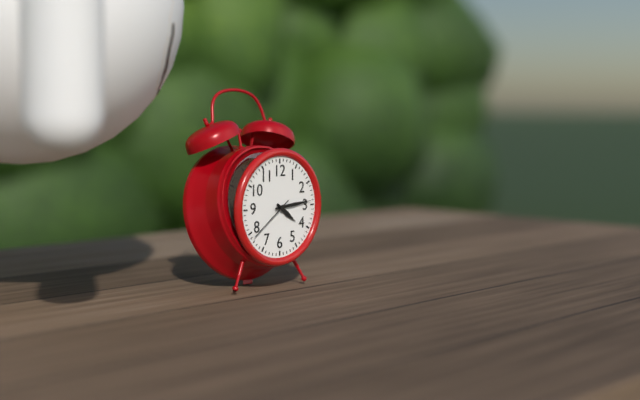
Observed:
4h14
